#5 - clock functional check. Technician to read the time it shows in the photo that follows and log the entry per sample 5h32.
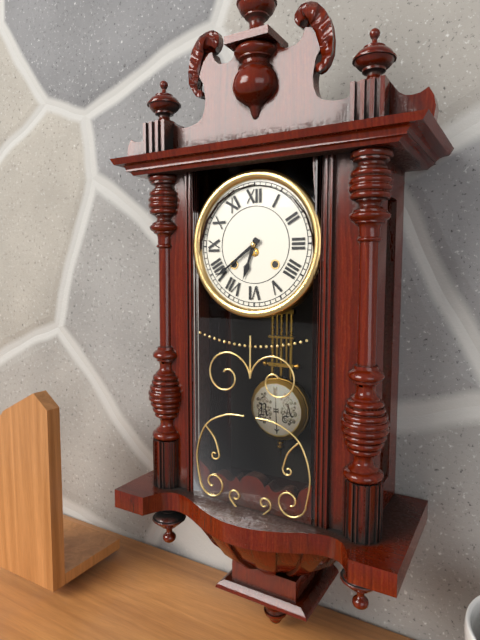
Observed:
6h39
